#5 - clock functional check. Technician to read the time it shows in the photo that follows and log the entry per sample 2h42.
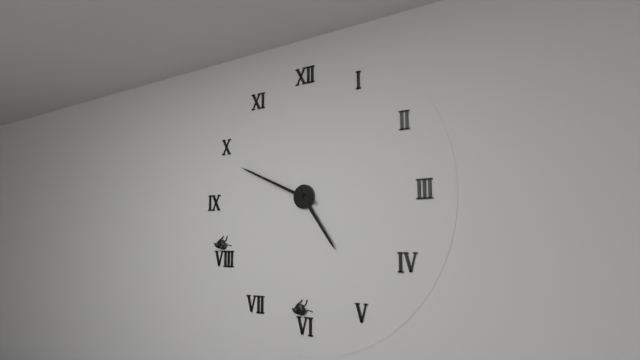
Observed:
4h49
